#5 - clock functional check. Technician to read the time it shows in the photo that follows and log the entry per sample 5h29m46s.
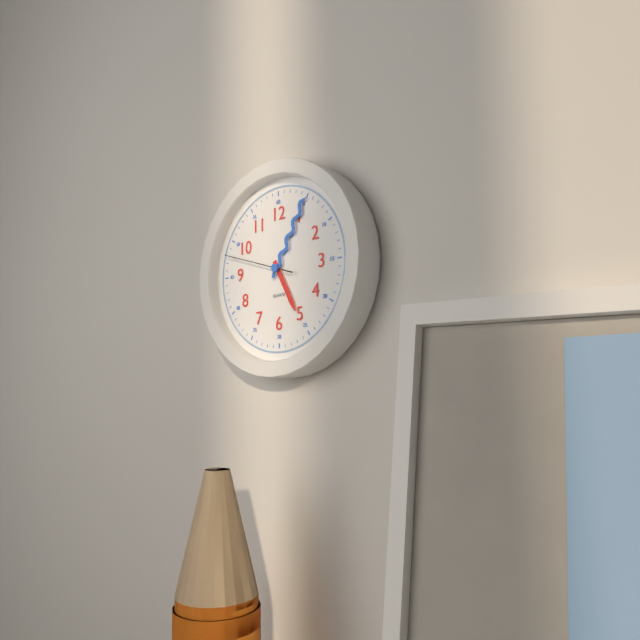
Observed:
5h05m48s
